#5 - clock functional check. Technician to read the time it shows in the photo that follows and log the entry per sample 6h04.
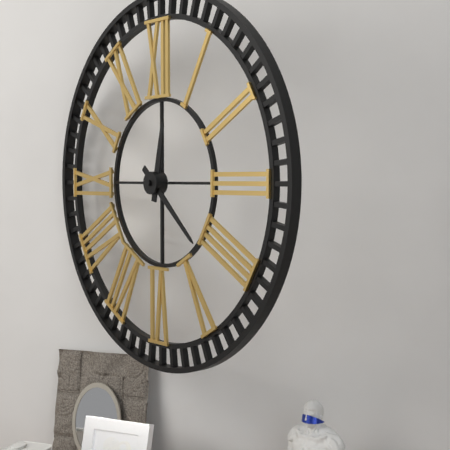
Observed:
12h22
